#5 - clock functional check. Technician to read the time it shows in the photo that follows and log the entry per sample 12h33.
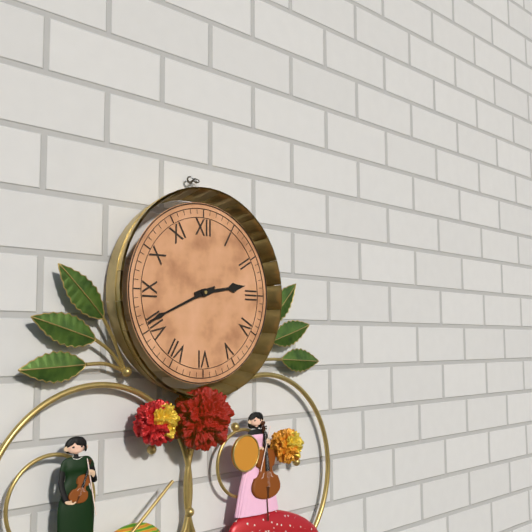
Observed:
2h41
